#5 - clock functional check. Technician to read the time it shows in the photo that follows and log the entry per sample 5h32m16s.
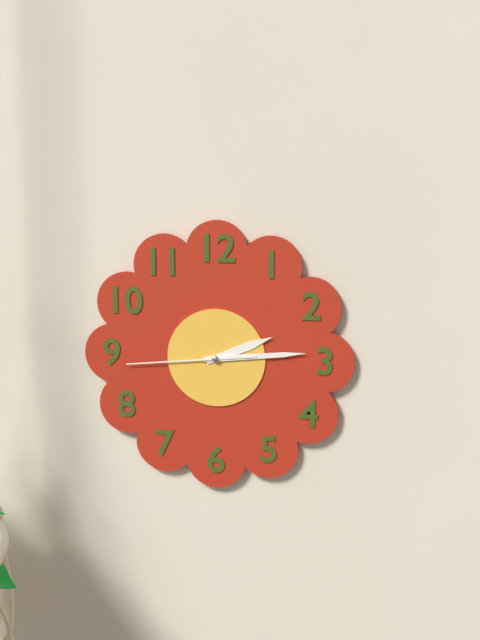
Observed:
2h14m44s
